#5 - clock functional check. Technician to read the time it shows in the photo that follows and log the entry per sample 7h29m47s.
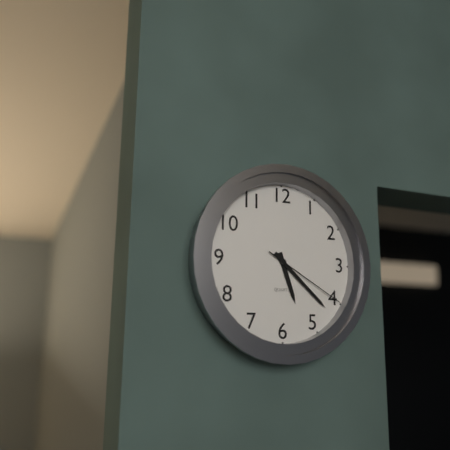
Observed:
5h22m20s
